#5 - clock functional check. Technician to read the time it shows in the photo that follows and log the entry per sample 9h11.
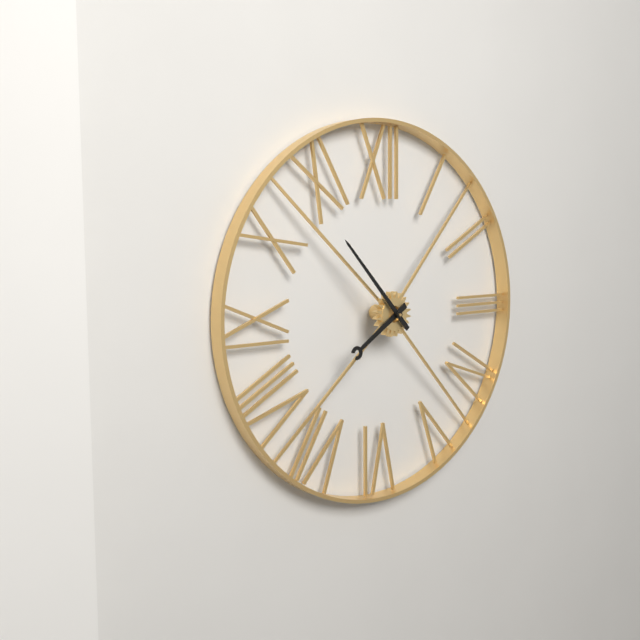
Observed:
7h53
